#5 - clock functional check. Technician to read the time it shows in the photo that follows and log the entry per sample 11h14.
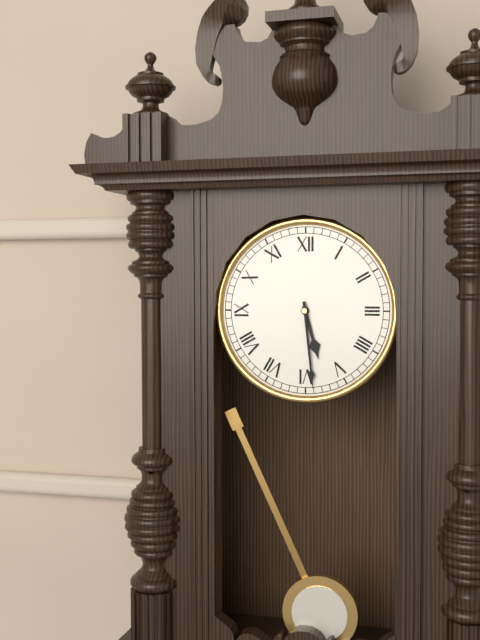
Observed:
5h29
